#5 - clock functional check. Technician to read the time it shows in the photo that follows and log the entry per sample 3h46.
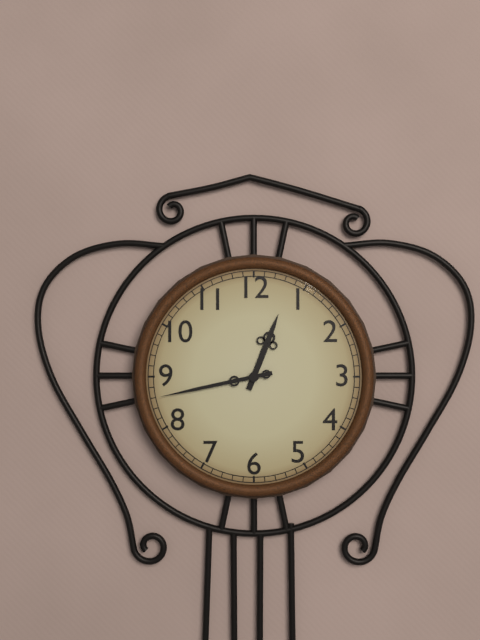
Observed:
12h43
